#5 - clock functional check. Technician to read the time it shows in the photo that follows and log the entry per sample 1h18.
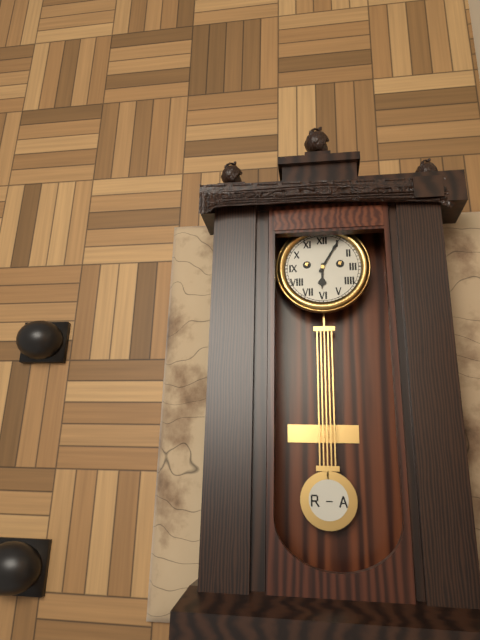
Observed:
6h05
